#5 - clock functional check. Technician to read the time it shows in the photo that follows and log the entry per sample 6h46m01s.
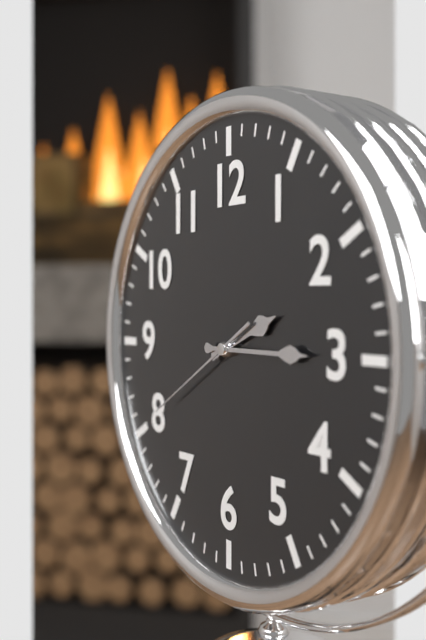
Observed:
2h15m40s
